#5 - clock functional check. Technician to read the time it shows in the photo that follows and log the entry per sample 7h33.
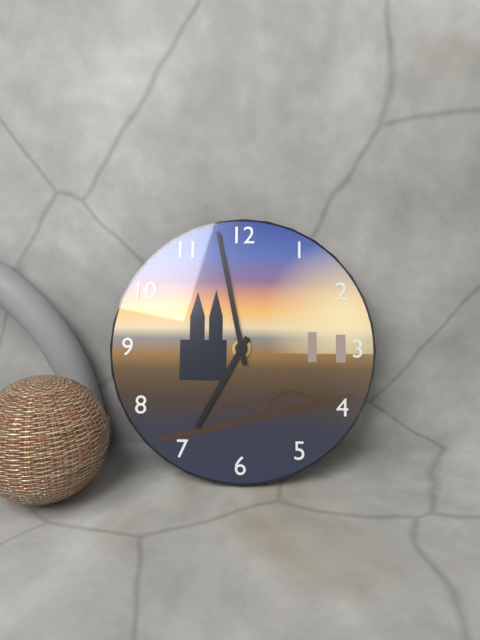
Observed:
6h58
